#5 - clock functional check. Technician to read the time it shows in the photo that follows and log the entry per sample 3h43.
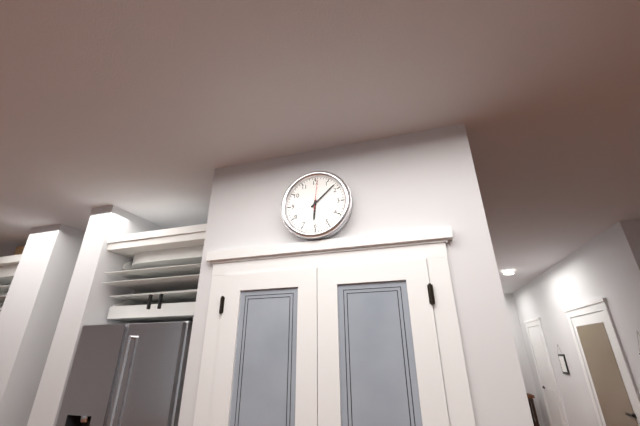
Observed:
6h08
